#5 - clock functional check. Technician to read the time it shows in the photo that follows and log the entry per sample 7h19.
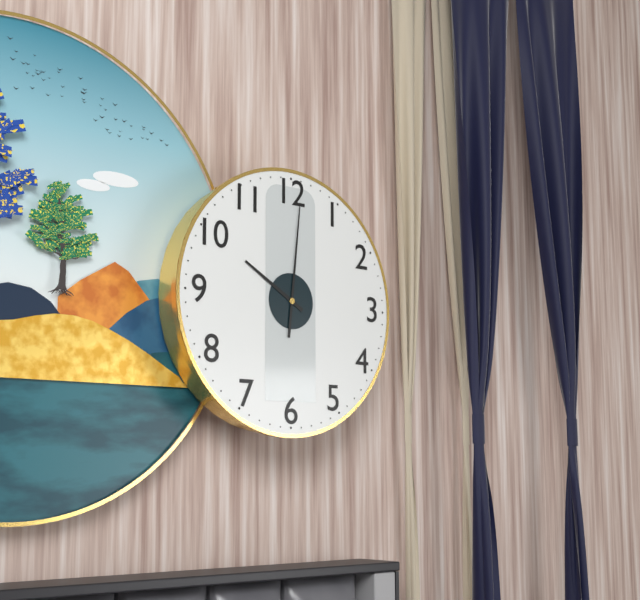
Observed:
10h01
